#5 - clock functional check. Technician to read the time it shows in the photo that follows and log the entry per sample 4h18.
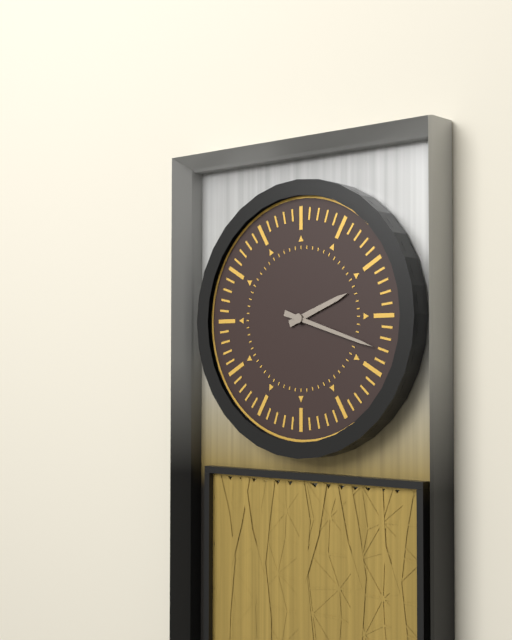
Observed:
2h18
